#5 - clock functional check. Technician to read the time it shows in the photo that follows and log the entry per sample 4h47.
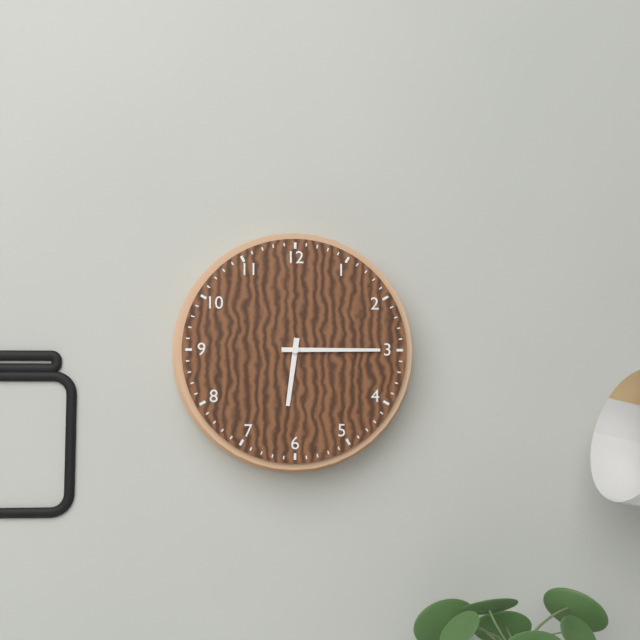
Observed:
6h15
